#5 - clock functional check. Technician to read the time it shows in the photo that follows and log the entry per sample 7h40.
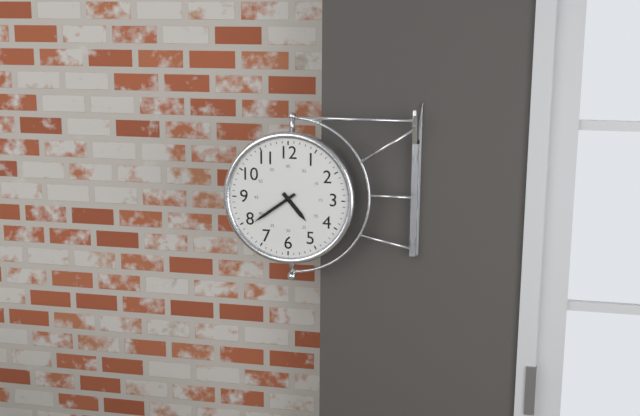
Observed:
4h39
